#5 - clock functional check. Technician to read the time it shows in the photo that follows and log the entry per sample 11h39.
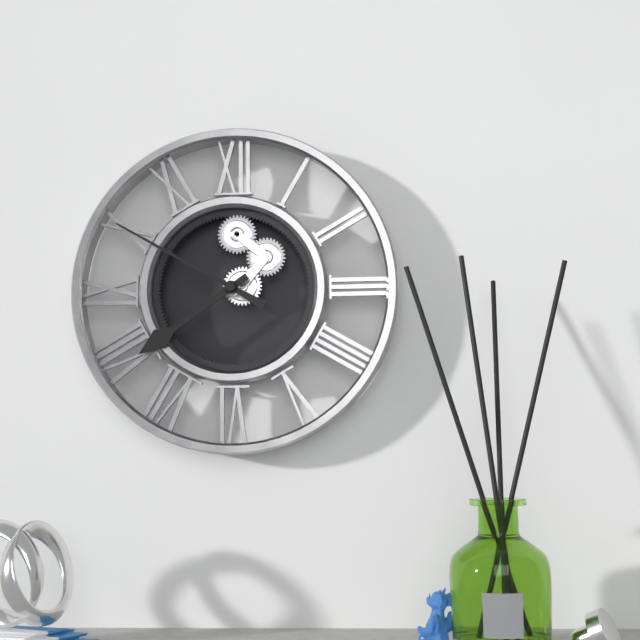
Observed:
7h50
